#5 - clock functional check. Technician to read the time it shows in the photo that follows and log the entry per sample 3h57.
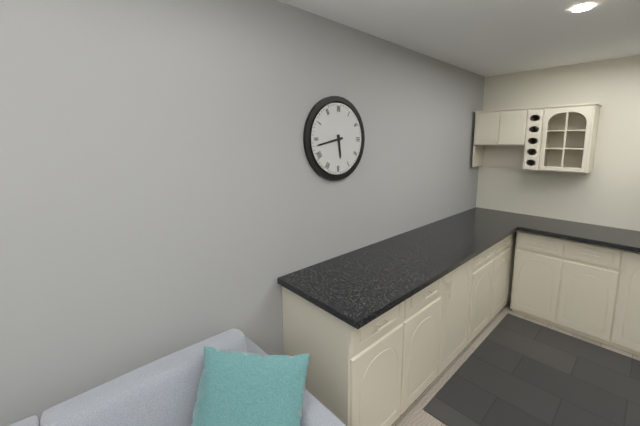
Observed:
5h43
